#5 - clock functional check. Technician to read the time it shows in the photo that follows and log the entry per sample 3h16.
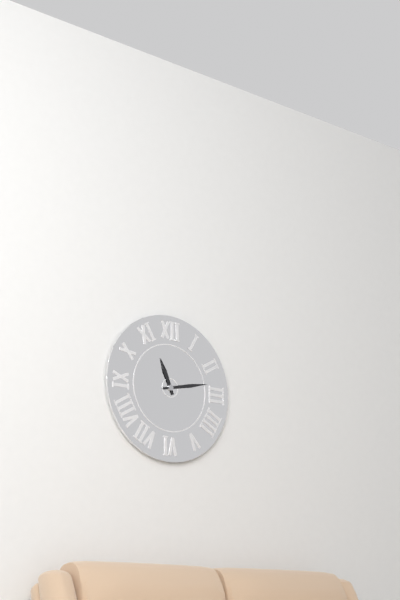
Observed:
11h13
